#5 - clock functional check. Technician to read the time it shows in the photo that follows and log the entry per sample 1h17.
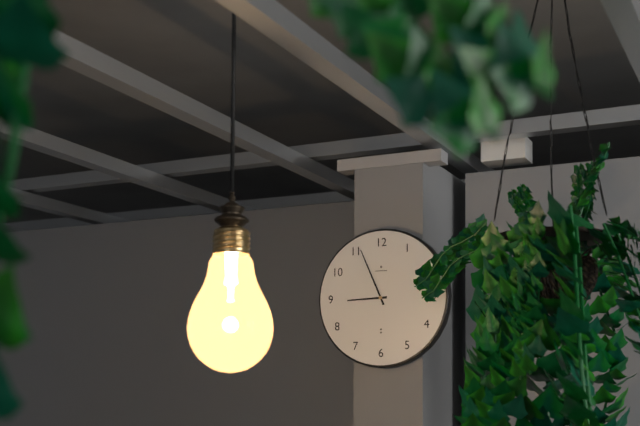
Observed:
8h56
